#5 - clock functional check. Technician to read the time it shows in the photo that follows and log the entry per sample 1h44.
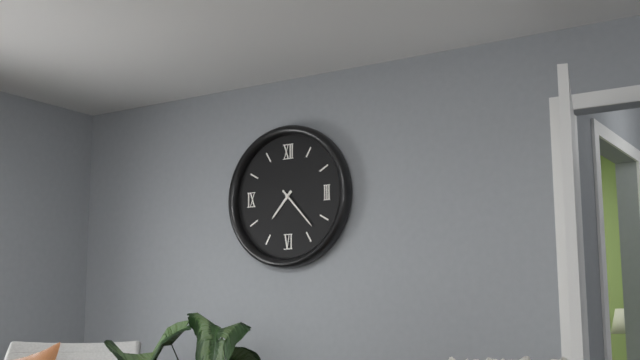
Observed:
7h23
